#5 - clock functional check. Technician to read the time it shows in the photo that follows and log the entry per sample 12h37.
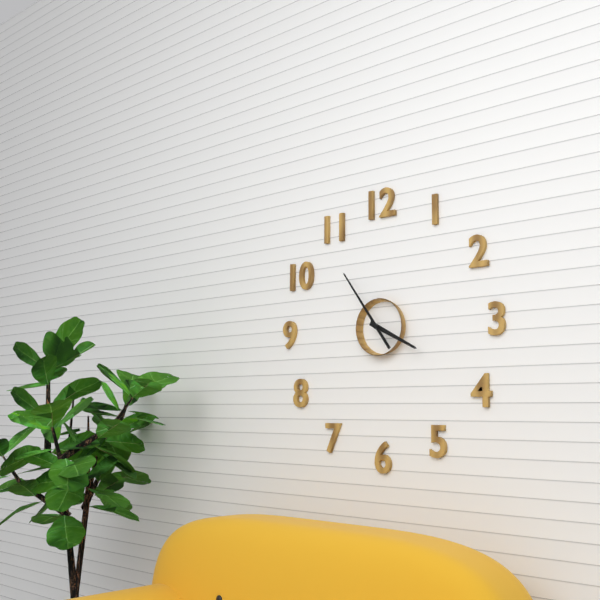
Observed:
3h54
